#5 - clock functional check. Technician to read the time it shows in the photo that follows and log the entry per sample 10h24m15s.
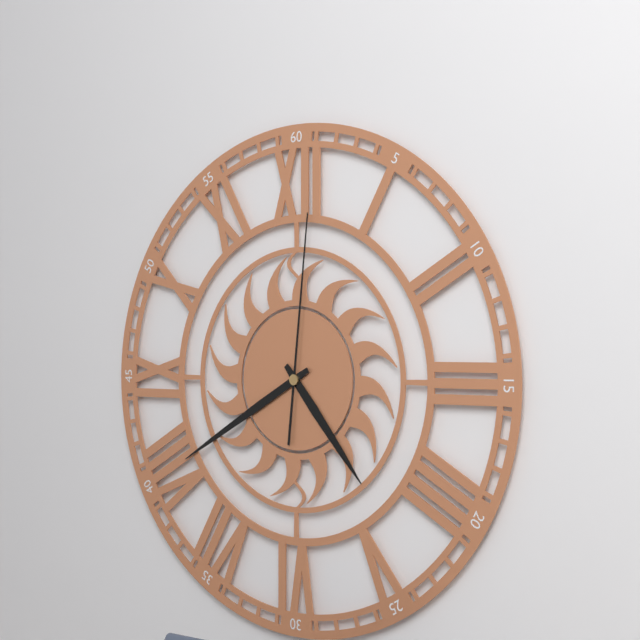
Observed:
4h40m01s
